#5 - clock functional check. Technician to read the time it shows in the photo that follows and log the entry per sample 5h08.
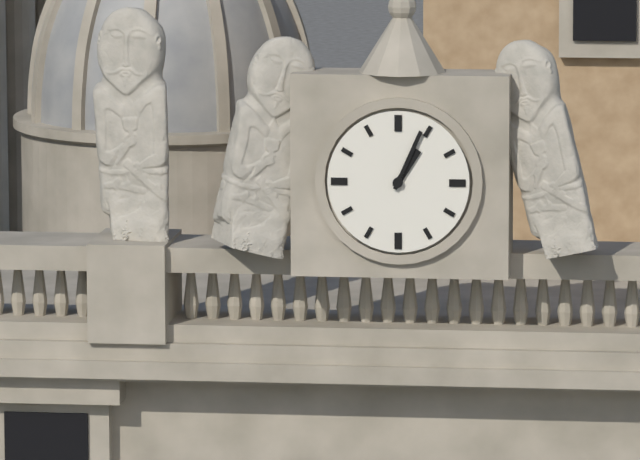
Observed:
1h04
